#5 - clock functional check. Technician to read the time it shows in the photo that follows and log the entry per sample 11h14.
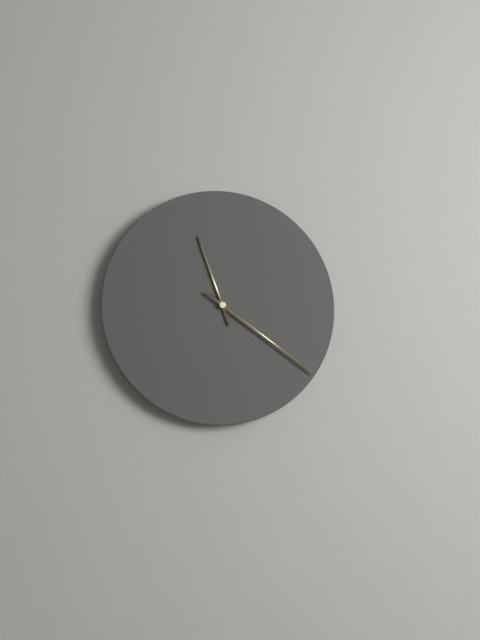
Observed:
11h21
